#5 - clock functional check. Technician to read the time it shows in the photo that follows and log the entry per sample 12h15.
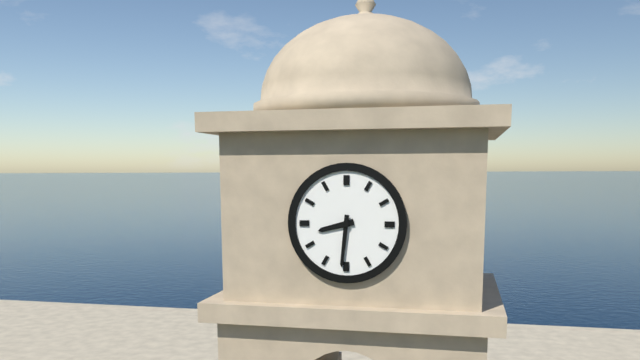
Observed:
8h31
